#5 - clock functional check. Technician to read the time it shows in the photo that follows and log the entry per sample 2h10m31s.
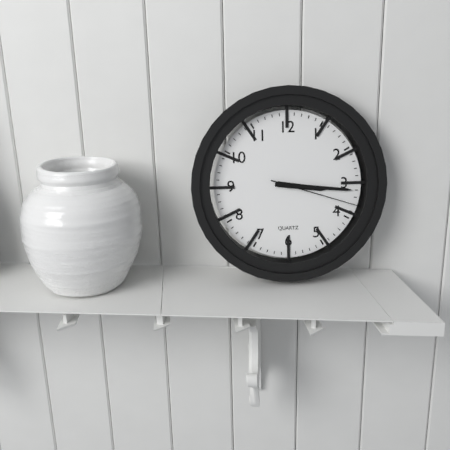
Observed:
3h16m18s
